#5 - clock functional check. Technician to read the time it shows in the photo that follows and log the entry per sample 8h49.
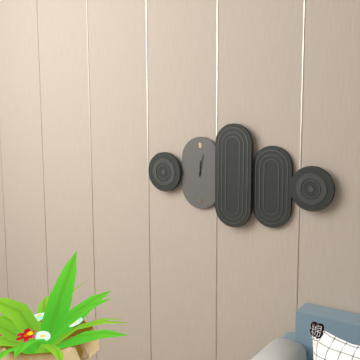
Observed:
12h02
